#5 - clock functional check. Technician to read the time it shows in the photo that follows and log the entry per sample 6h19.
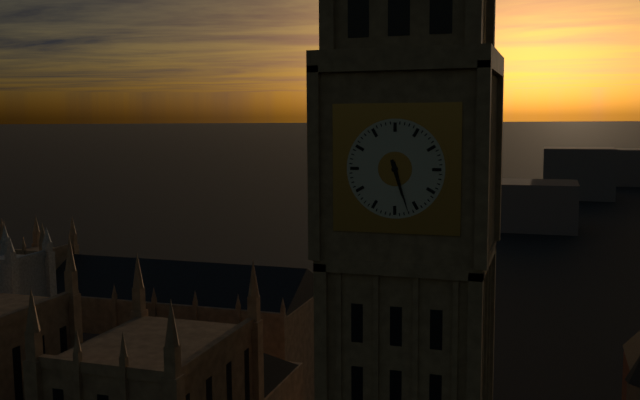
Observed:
5h27
